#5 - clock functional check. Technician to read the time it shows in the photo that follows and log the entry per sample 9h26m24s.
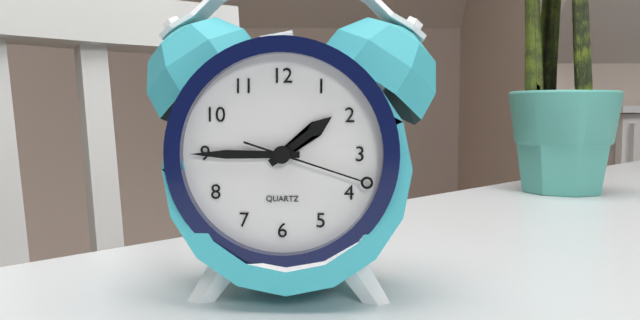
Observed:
1h45m18s
